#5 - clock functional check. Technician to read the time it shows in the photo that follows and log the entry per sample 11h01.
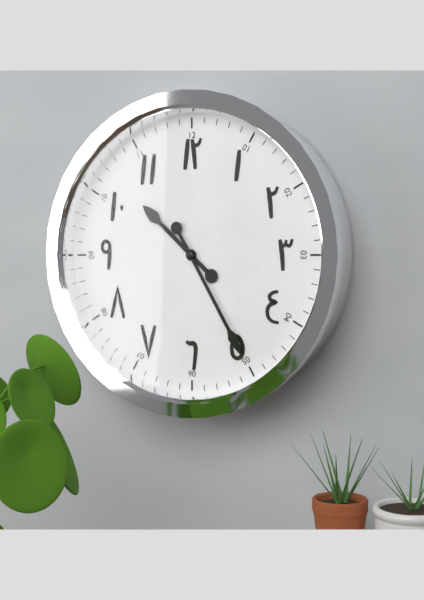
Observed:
10h25
